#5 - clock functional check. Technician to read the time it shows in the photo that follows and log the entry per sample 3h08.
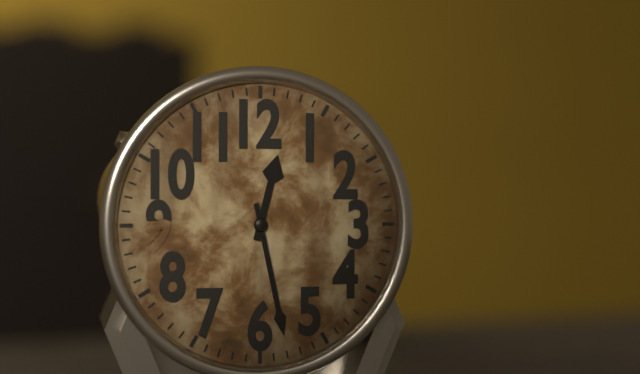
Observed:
12h28
